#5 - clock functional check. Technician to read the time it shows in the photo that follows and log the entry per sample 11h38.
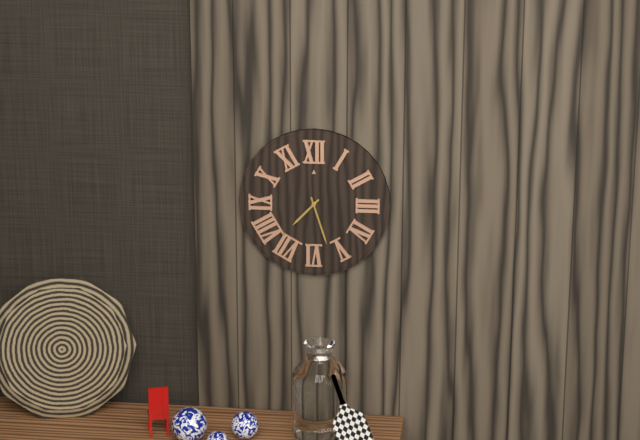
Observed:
7h27
